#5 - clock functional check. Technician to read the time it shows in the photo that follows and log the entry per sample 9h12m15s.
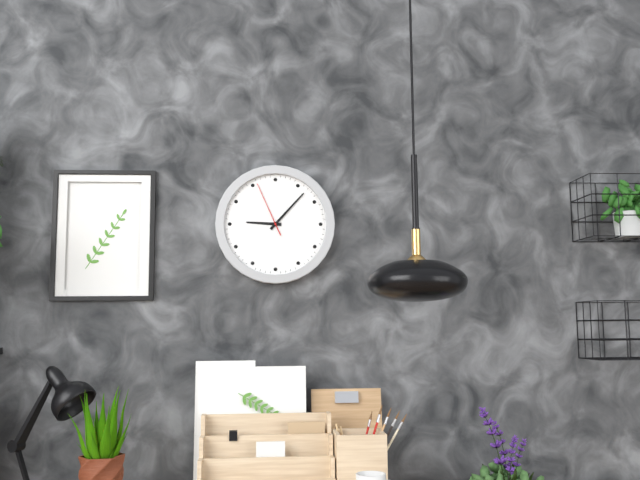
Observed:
9h07m56s
